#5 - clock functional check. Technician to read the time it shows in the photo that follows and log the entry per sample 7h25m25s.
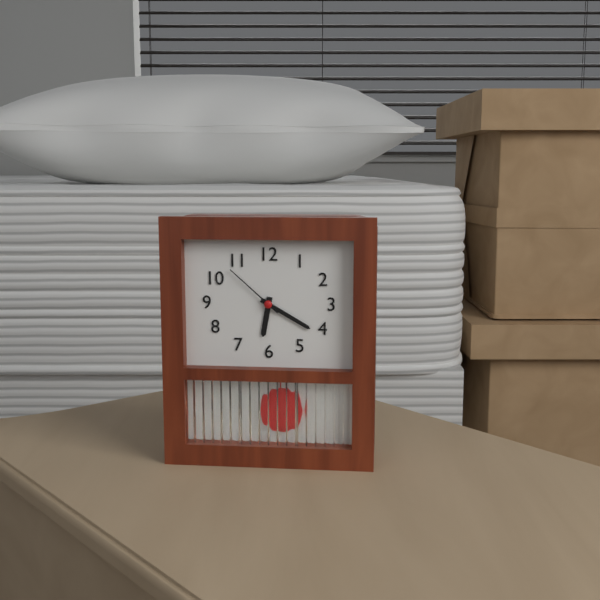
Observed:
6h20m52s
